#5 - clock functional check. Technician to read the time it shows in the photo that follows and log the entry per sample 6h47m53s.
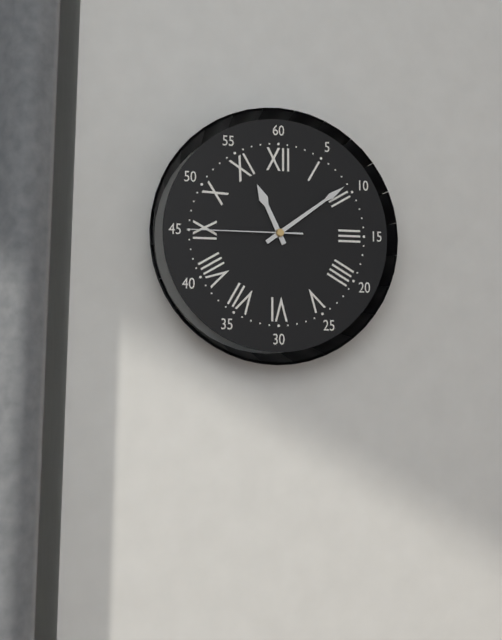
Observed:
11h09m45s
